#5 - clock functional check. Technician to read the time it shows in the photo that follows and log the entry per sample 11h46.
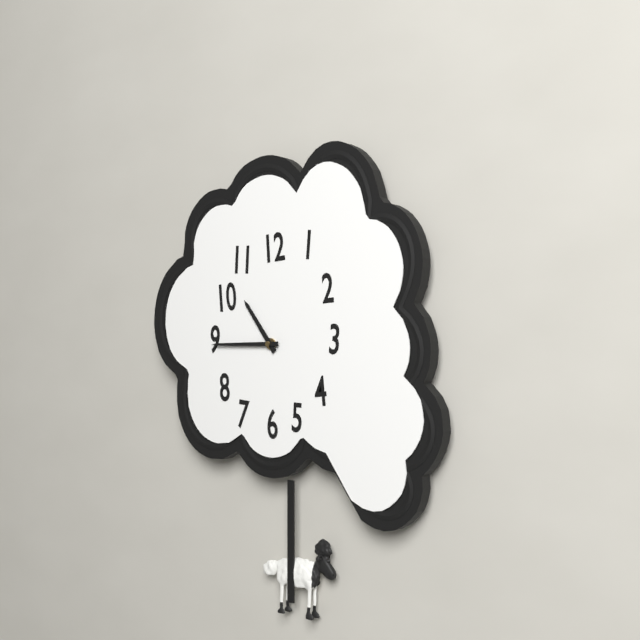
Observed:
10h45
